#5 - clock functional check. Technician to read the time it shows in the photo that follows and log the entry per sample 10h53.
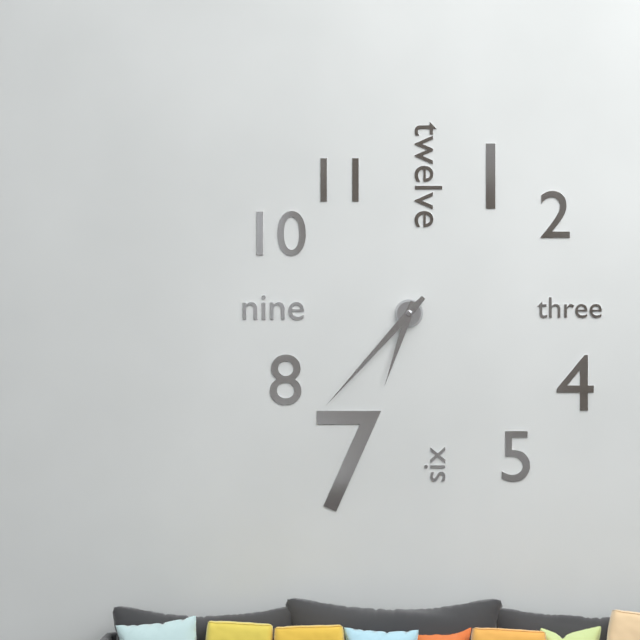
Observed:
6h37
